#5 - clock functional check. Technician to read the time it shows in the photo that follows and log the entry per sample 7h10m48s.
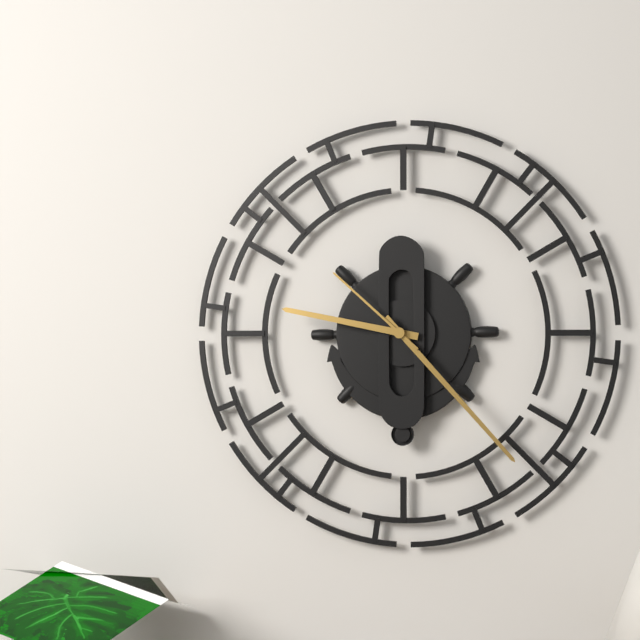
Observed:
9h23m52s
